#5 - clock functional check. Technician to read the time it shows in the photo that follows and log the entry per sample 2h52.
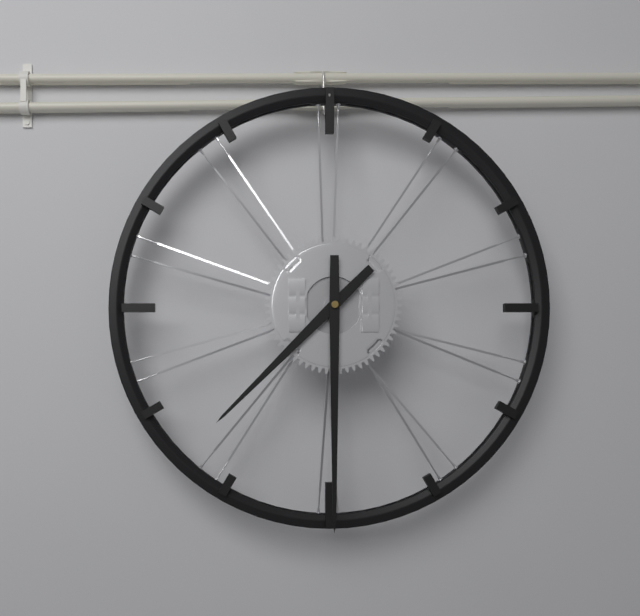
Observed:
7h30
